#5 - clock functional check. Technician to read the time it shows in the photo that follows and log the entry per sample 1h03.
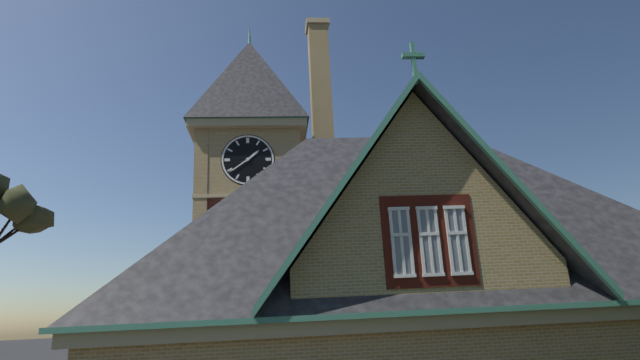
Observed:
1h39
